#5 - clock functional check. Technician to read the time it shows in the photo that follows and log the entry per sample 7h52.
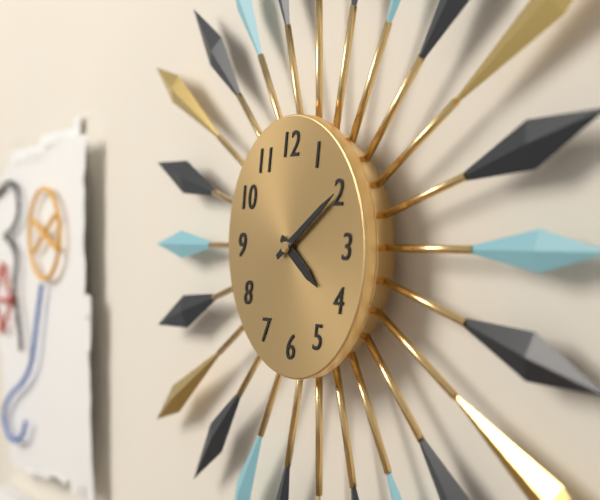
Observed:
4h10
